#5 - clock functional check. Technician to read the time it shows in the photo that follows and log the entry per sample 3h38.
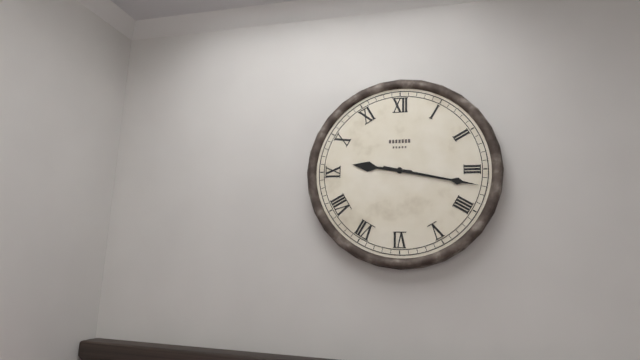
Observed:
9h17
